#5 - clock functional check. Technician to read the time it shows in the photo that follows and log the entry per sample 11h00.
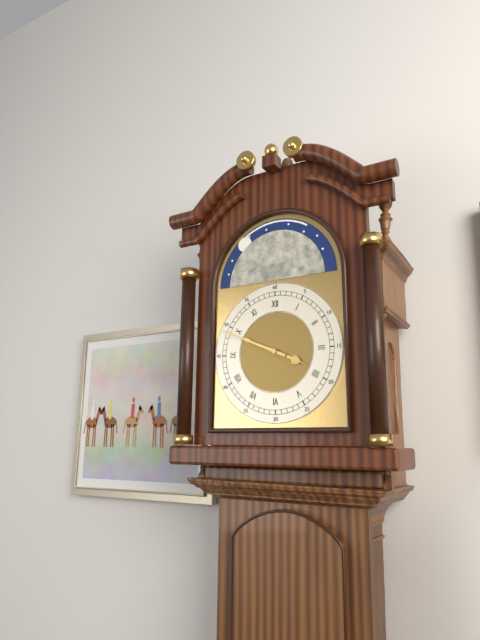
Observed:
3h49
